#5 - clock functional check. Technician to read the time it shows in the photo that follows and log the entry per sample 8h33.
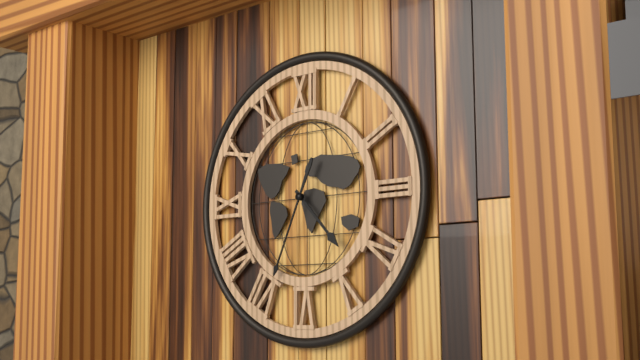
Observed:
4h34
